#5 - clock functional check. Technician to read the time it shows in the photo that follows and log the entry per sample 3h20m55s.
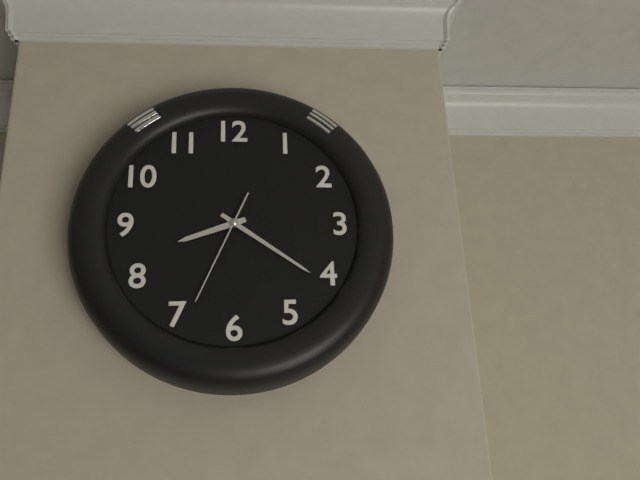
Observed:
8h21m34s
